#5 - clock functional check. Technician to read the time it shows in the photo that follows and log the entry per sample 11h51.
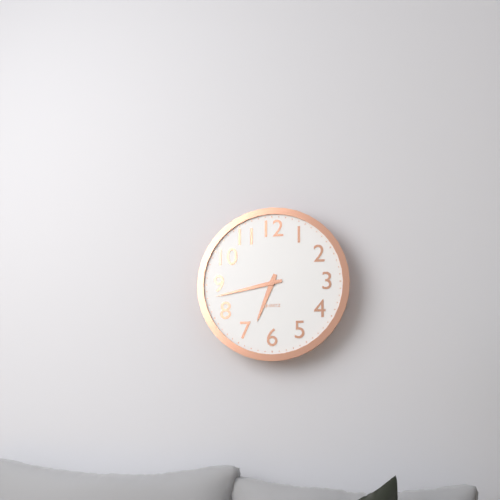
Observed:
6h43
